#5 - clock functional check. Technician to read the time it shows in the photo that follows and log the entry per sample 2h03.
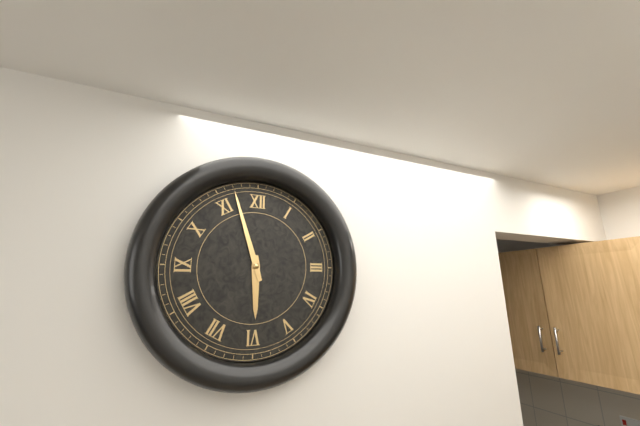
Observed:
5h57
